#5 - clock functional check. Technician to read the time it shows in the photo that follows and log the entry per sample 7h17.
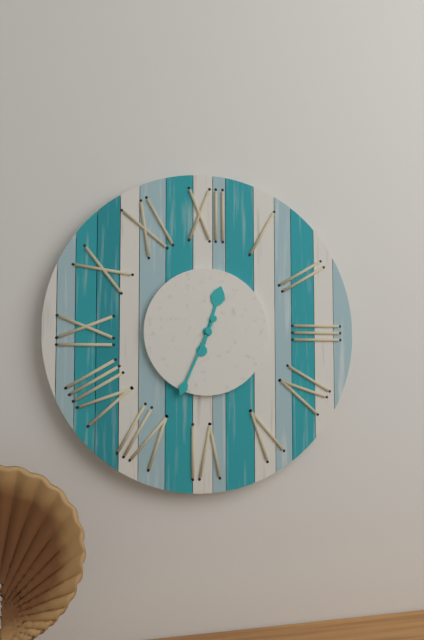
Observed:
12h34
